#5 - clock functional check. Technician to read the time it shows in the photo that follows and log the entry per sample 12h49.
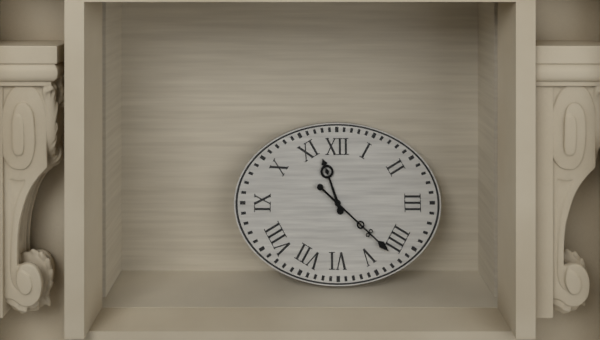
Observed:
11h22
